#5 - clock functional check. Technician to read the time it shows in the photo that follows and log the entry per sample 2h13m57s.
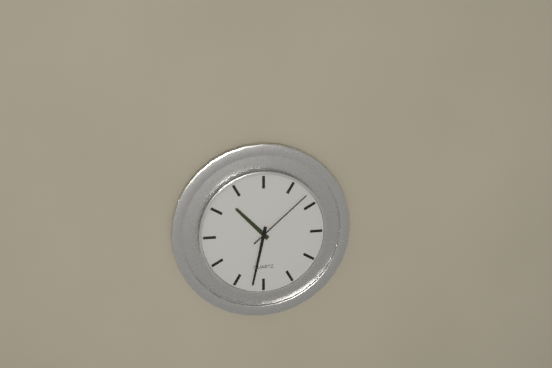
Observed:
10h32m08s
